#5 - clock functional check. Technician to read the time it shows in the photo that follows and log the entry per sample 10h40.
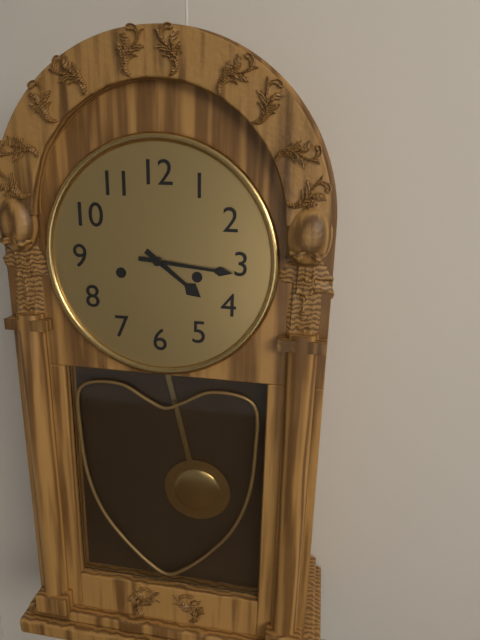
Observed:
4h16
